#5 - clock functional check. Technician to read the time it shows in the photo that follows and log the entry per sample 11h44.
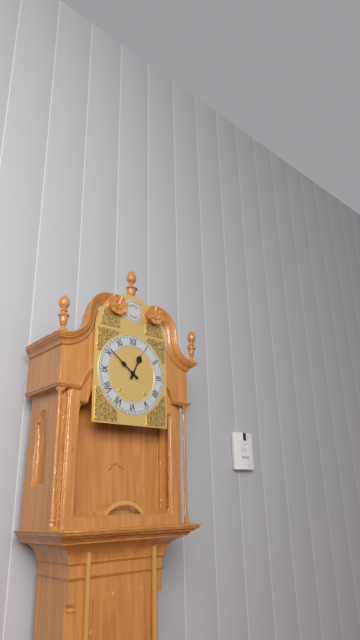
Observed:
12h51
